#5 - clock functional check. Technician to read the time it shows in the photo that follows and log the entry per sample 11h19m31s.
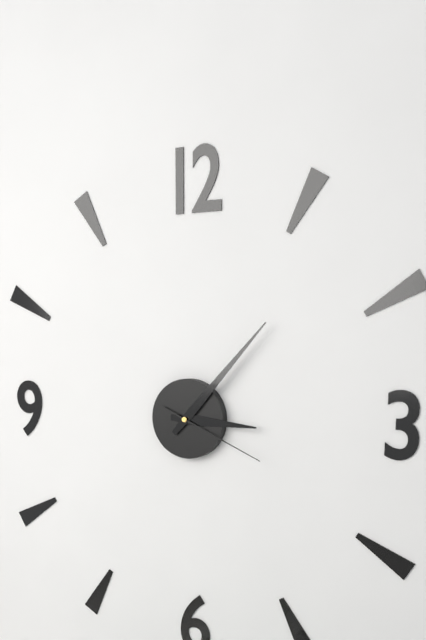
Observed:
3h07m19s
